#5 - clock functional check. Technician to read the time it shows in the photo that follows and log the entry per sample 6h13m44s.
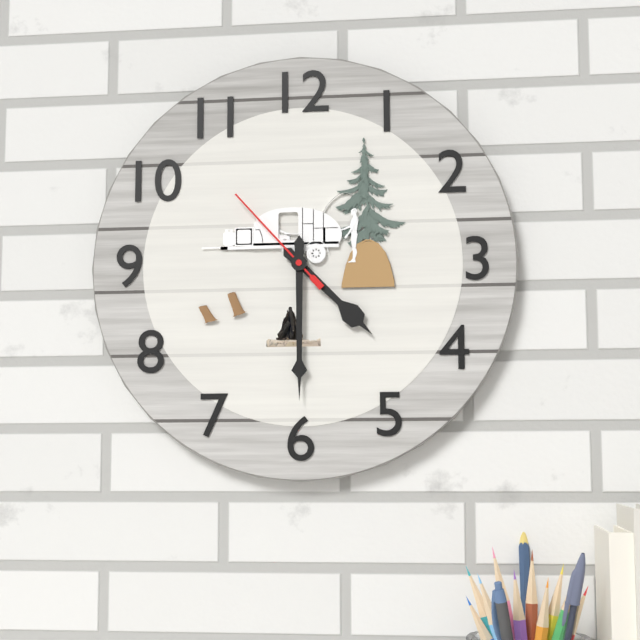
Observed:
4h30m53s
